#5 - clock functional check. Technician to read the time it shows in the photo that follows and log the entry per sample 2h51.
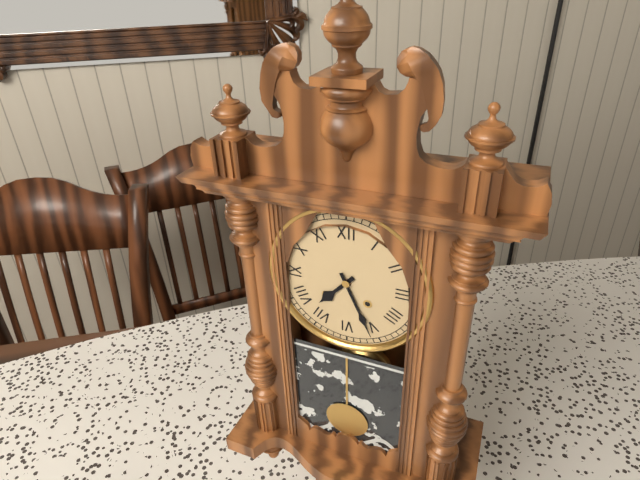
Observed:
7h26
